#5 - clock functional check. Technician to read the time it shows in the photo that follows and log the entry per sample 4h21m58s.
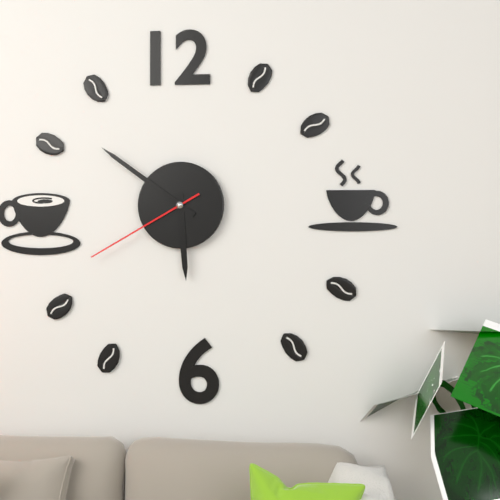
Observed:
5h51m40s
